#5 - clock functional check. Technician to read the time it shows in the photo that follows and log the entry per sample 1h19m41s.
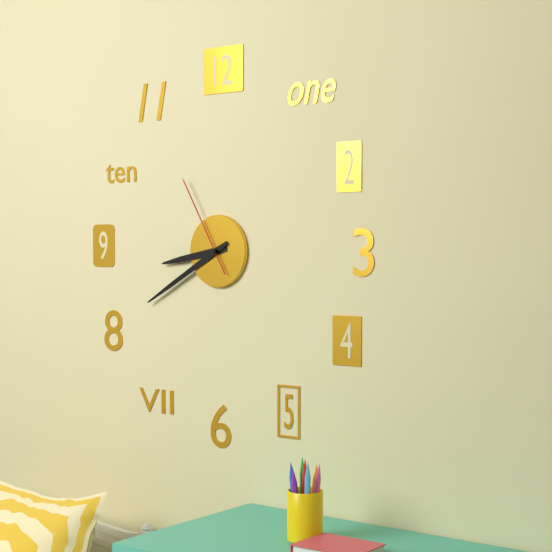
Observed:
8h40m55s
